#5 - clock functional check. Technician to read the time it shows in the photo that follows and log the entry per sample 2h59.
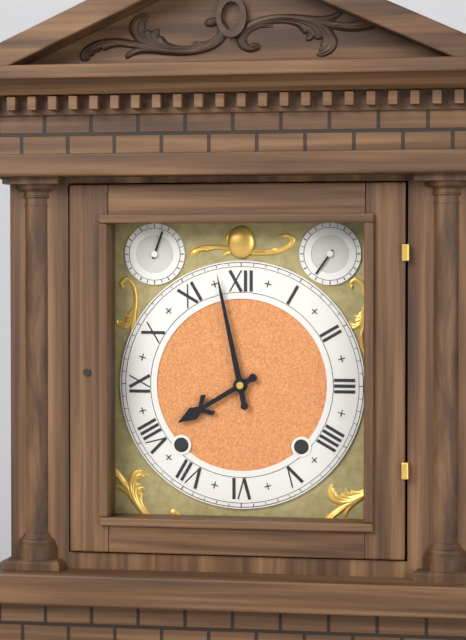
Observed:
7h58
